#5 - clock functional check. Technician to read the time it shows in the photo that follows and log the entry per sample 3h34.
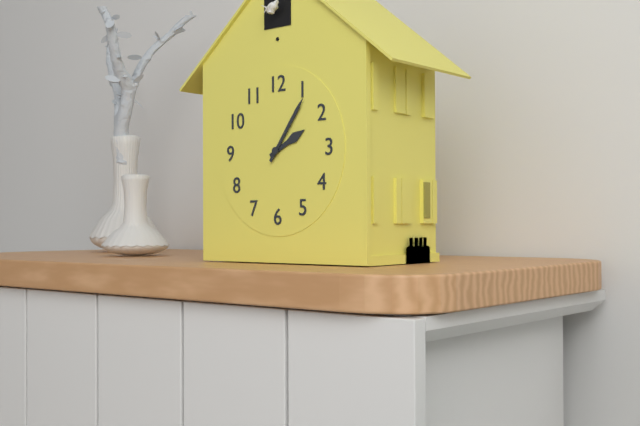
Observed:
2h06
